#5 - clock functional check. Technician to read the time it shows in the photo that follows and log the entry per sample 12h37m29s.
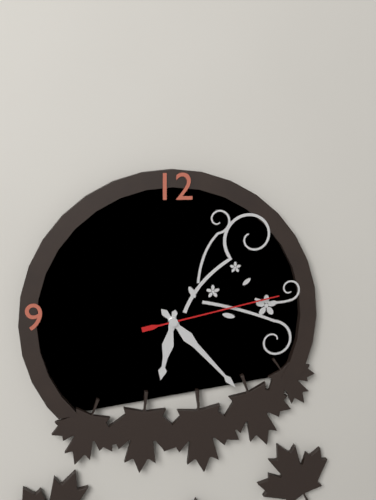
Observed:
6h23m13s
